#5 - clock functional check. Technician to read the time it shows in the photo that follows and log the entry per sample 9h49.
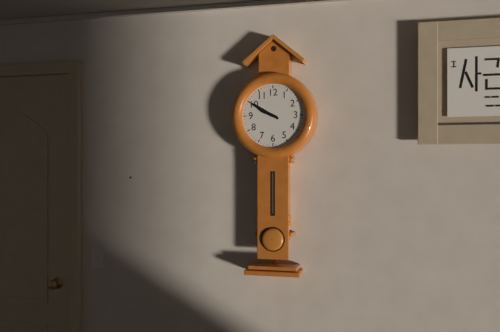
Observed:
9h50
